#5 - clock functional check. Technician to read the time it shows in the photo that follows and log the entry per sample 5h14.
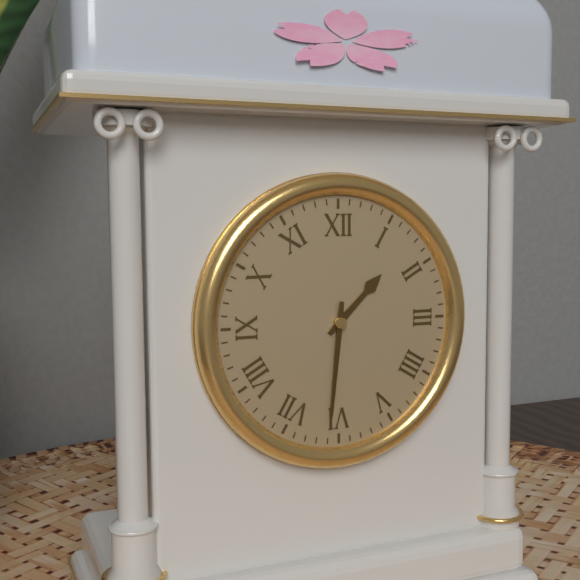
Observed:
1h31
